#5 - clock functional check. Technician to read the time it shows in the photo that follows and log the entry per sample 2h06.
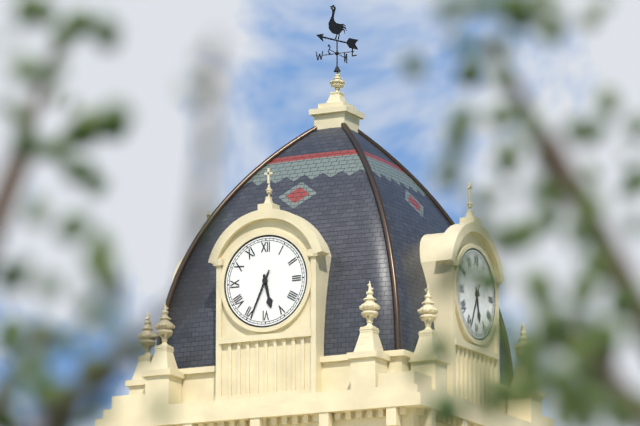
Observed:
5h34
